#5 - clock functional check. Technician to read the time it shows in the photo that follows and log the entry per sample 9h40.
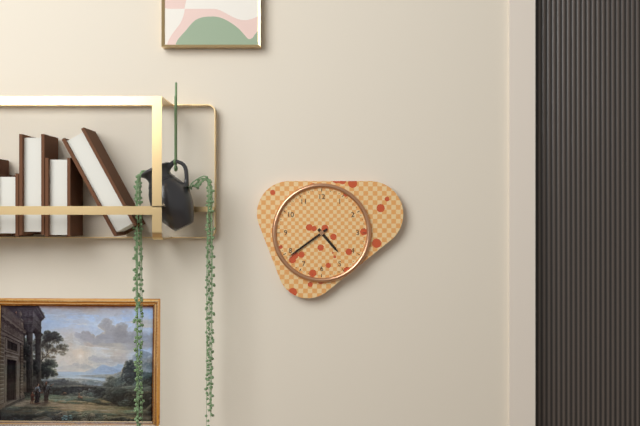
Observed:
4h39
